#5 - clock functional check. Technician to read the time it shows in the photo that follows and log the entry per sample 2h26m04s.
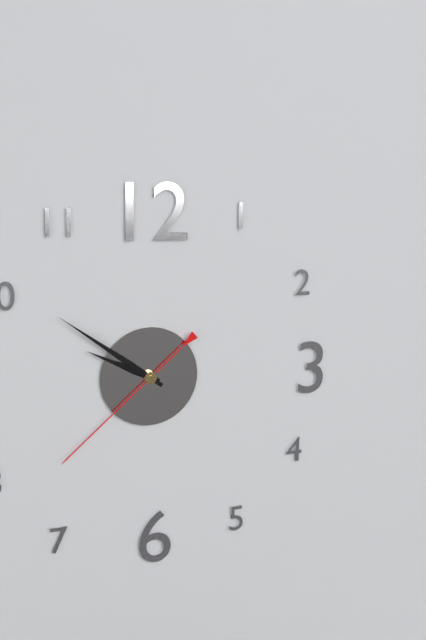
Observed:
9h51m38s
